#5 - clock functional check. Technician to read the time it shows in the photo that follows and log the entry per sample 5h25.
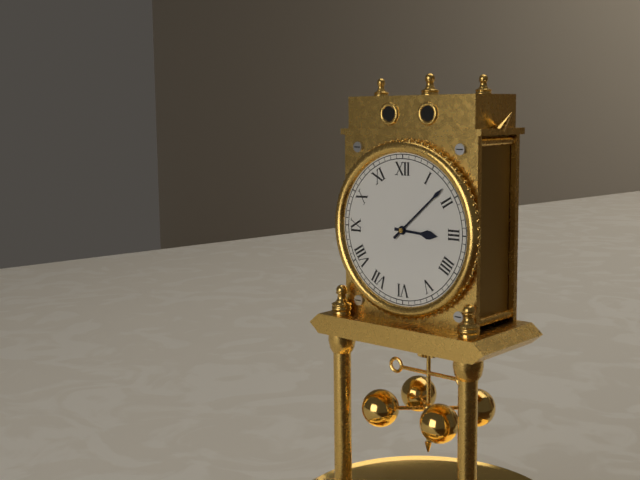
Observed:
3h08
